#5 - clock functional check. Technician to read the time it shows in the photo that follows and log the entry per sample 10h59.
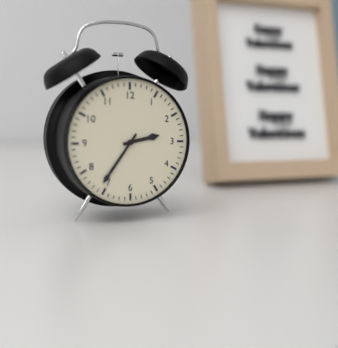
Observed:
2h36
